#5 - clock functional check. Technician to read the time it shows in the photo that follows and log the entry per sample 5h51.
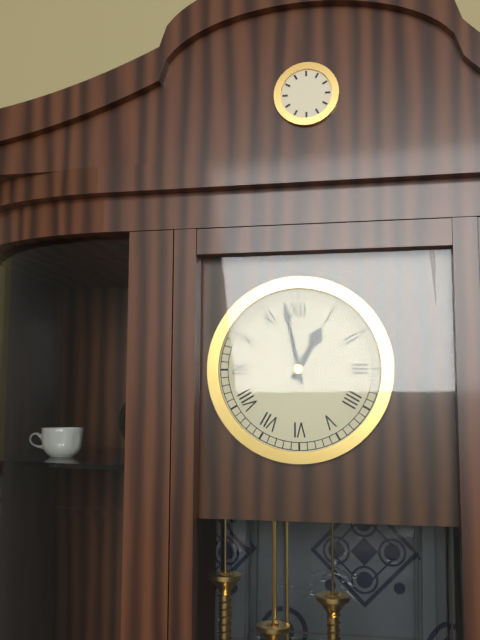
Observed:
12h58
